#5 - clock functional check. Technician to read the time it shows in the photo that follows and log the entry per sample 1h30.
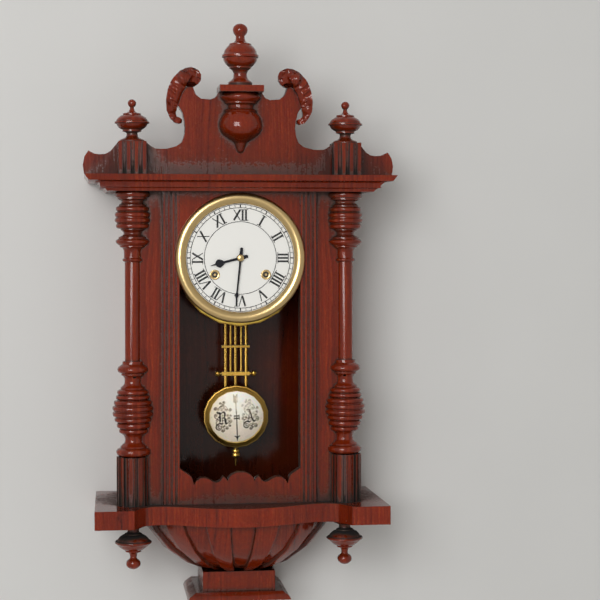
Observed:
8h31
